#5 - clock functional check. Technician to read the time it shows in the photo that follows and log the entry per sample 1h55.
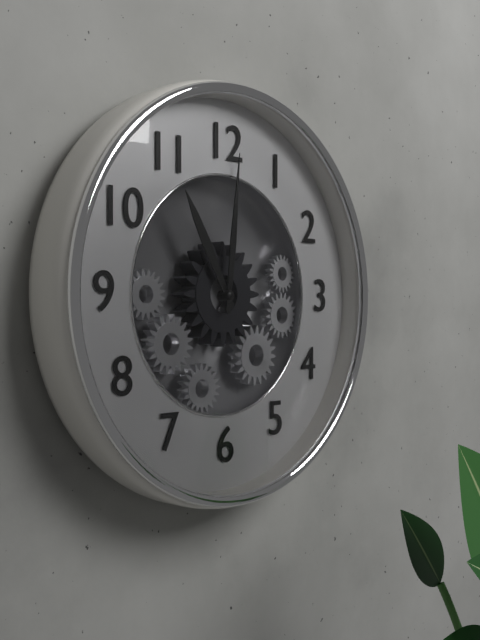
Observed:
11h01
